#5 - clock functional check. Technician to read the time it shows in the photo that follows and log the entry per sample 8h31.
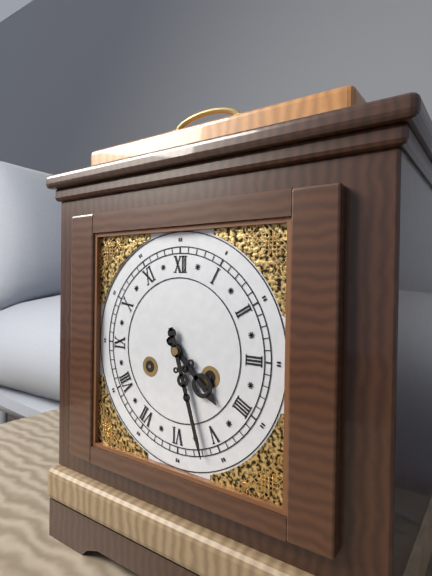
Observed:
4h27
